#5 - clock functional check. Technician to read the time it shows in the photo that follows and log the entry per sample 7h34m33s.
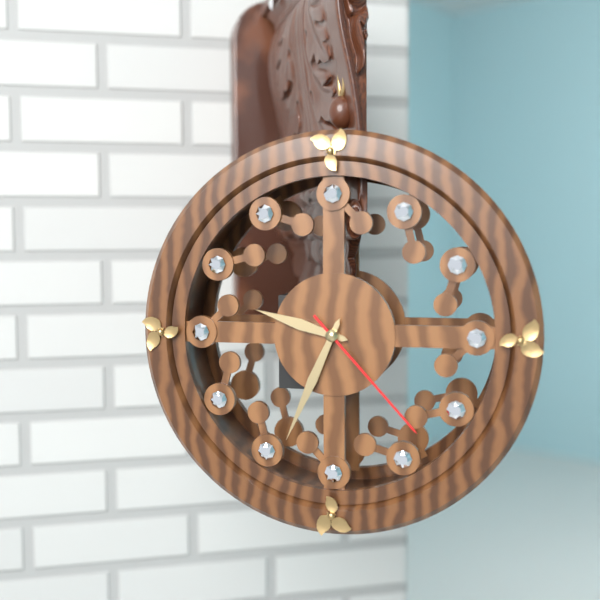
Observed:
9h34m23s
